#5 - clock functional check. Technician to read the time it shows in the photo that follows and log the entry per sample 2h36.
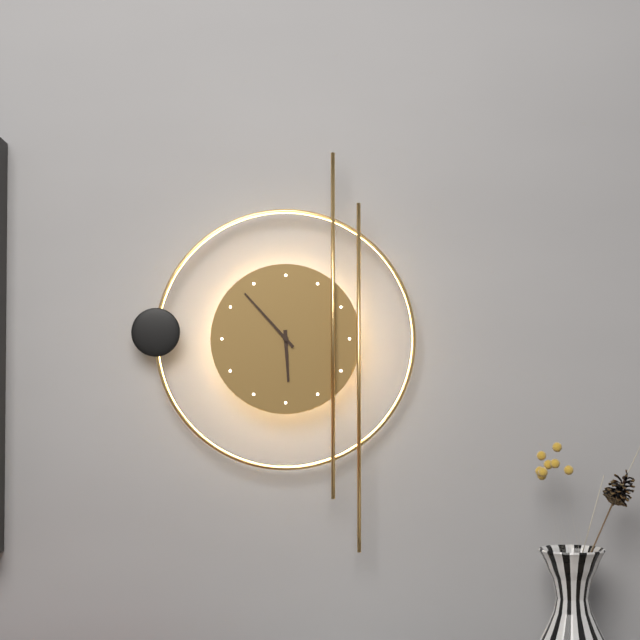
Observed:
5h53
